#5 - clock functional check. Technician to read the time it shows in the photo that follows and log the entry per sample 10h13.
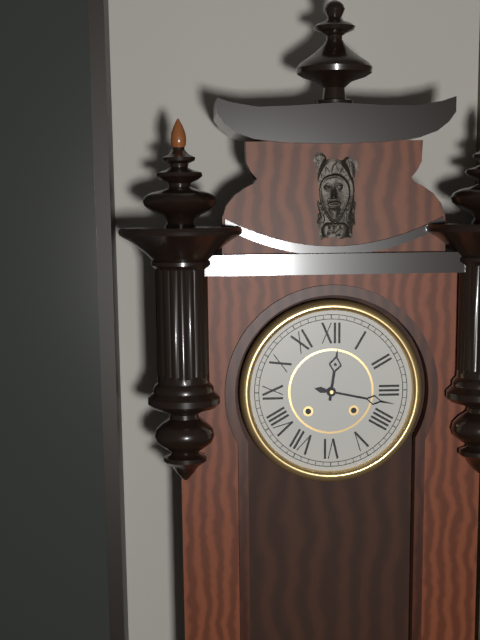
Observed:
12h17
